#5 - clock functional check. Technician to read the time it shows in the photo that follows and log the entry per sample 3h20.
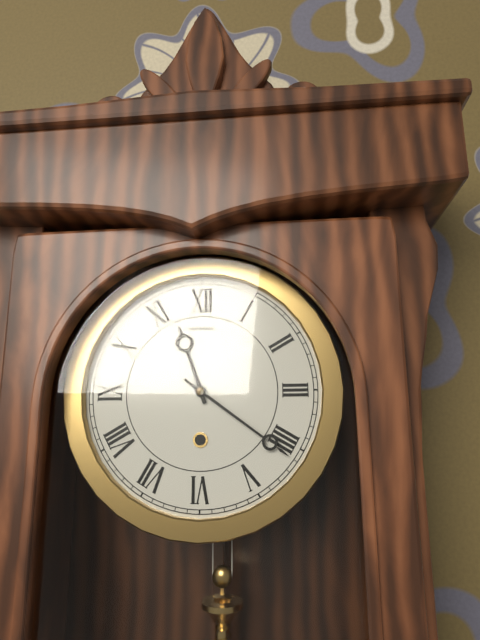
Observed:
11h21
